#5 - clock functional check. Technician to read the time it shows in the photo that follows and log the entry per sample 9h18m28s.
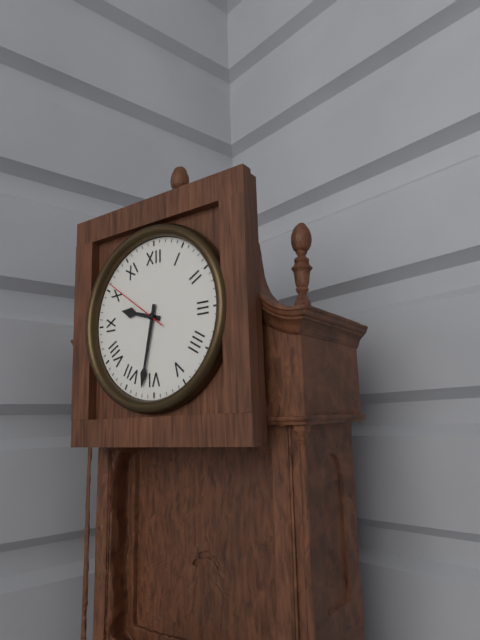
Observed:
9h32m51s
